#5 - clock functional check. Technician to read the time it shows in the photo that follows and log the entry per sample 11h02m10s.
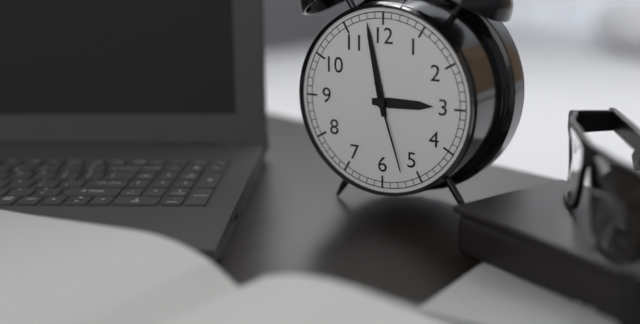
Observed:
2h58m27s
